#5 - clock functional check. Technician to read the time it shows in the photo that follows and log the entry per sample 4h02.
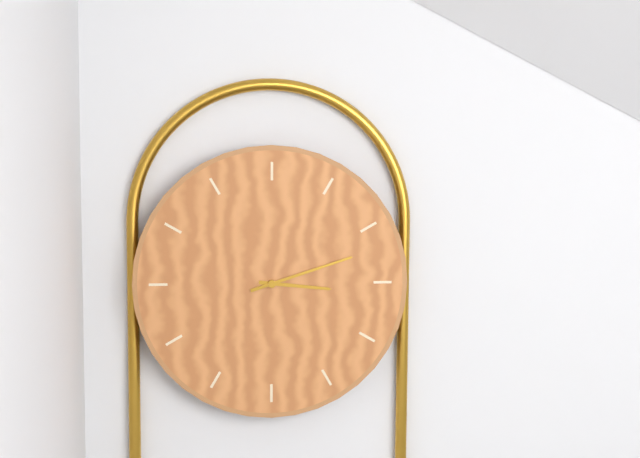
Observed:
3h12
